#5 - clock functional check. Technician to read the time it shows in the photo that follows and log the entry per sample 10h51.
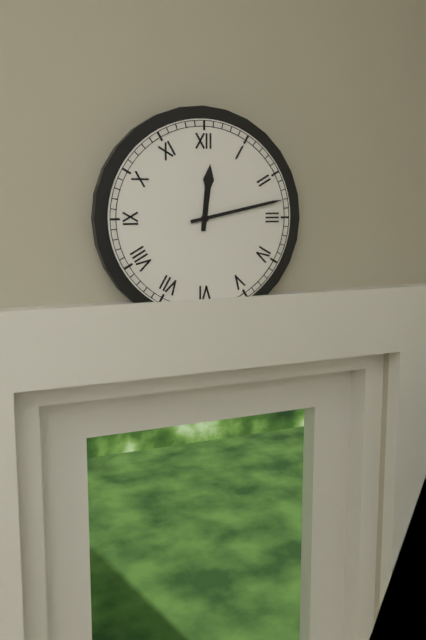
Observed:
12h13
